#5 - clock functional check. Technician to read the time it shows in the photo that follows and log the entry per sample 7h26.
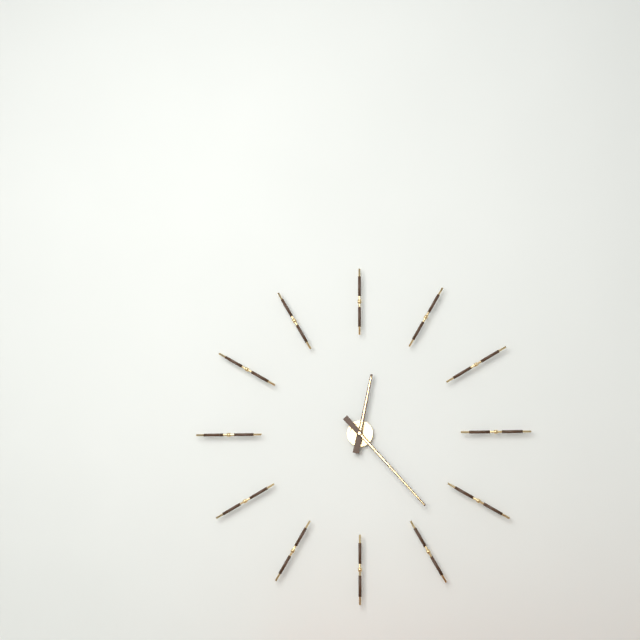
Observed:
12h23
